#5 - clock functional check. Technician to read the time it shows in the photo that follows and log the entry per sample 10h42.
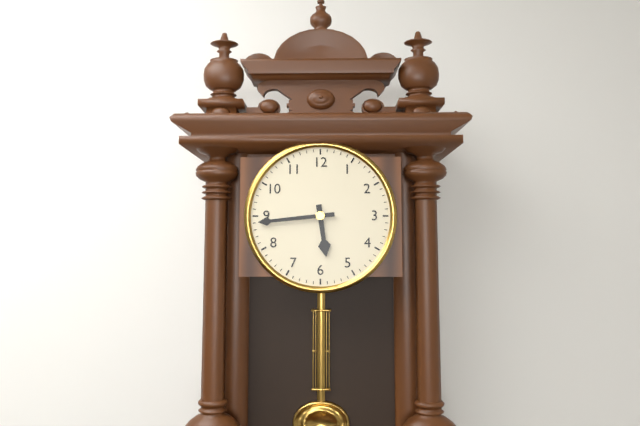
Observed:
5h44
